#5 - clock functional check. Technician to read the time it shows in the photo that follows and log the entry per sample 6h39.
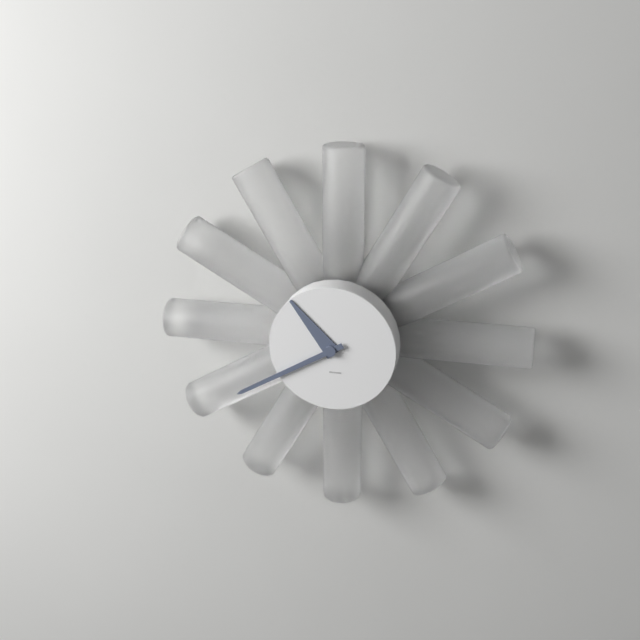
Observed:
10h40
